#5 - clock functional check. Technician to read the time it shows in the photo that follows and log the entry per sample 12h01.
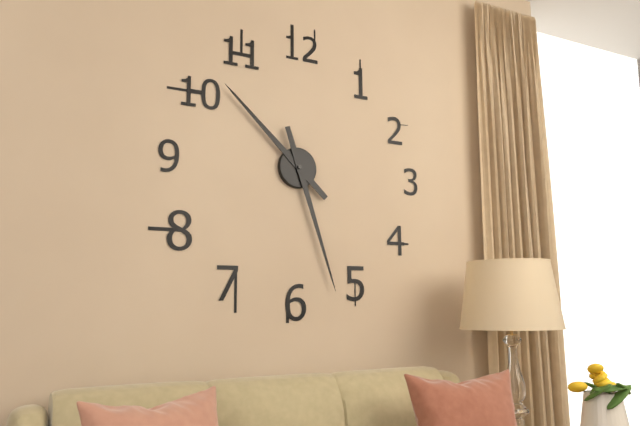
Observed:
10h27
